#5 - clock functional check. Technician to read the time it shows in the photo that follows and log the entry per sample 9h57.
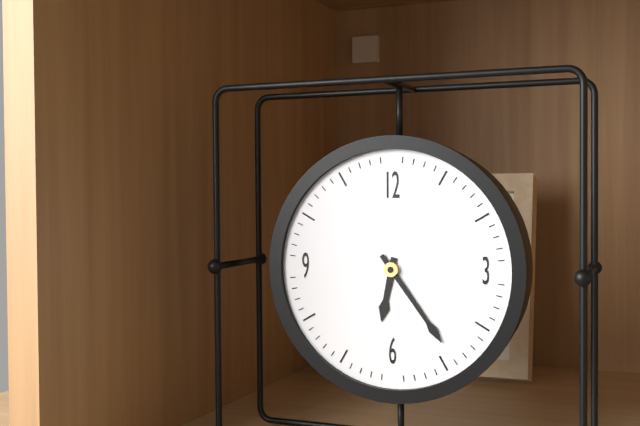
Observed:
6h24
